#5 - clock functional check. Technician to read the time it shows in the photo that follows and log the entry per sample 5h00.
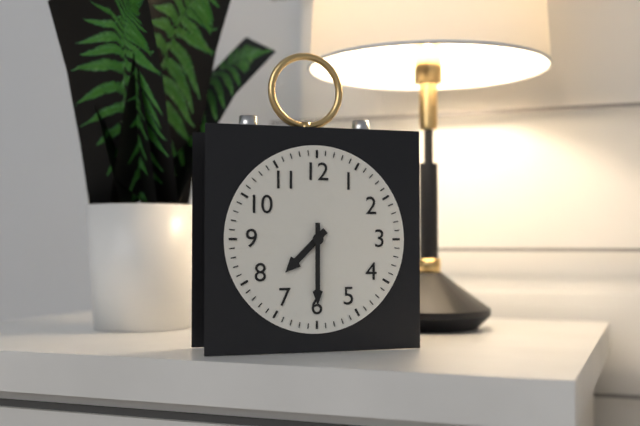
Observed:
7h30
